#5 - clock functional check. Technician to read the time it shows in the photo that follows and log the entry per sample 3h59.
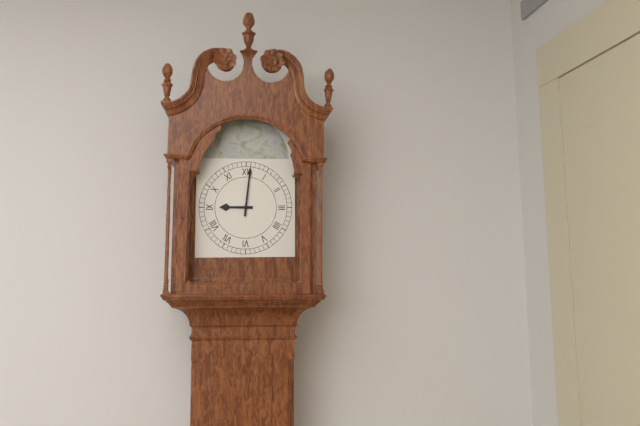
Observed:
9h01
